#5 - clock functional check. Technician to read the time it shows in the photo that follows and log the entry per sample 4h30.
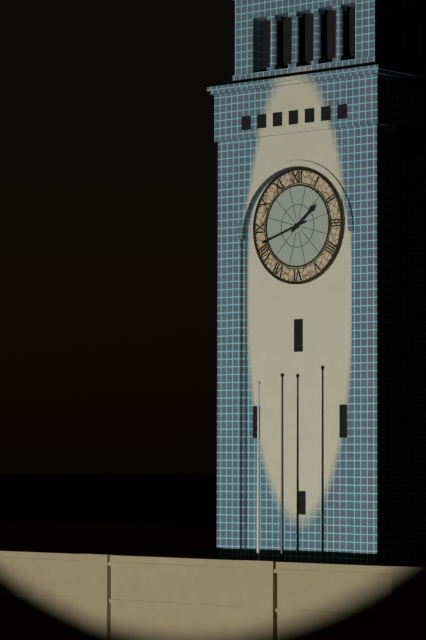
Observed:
1h42
